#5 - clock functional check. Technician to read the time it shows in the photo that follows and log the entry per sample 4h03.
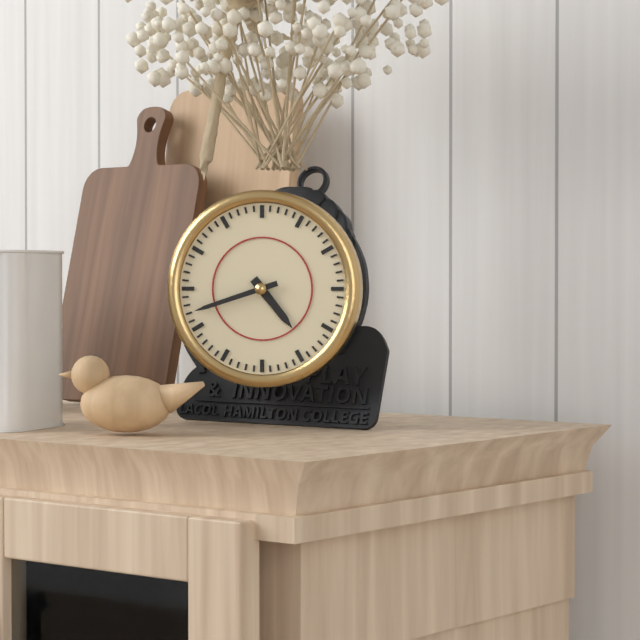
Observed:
4h42
